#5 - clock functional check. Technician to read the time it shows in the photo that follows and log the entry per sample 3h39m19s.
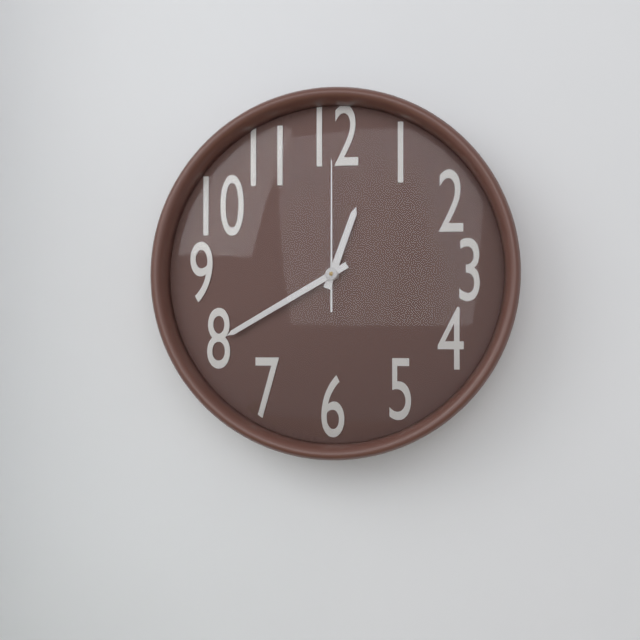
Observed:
12h40m00s
